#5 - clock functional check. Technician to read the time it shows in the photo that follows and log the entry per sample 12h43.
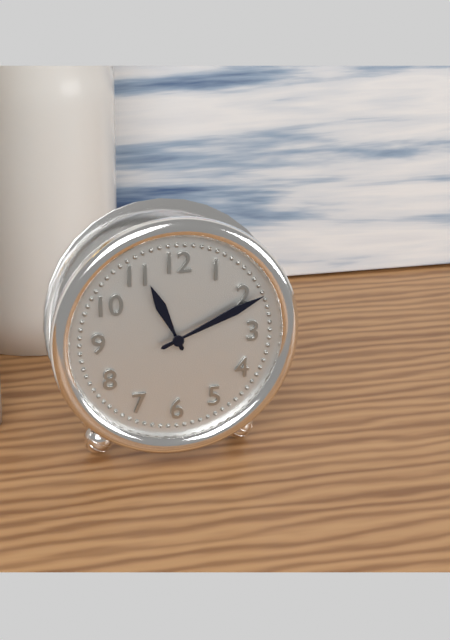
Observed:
11h11
